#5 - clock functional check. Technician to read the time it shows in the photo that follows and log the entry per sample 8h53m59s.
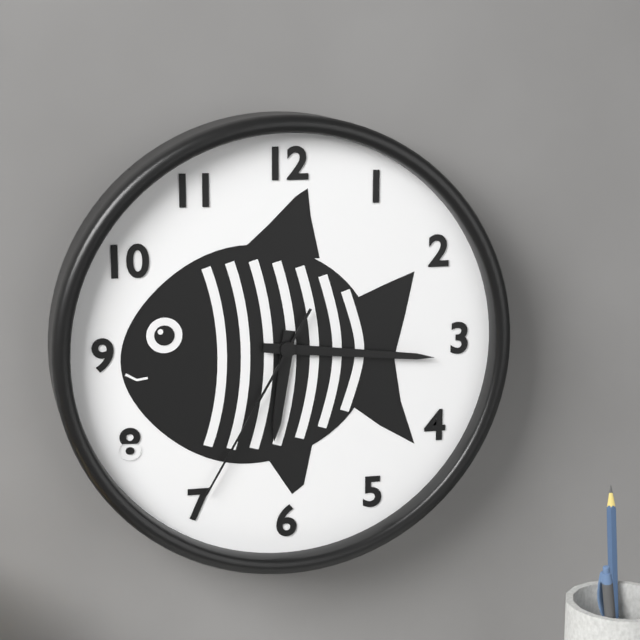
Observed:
6h16m35s
